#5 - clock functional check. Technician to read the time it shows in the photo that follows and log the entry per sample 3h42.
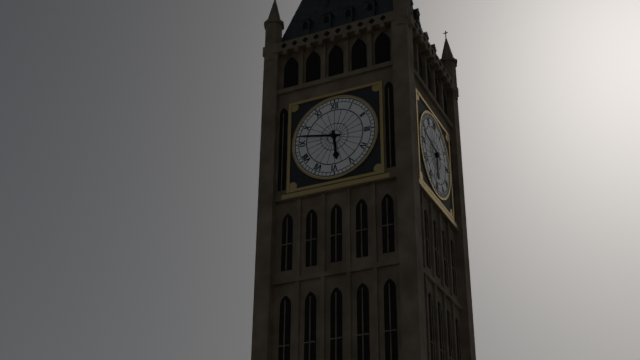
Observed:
5h47
